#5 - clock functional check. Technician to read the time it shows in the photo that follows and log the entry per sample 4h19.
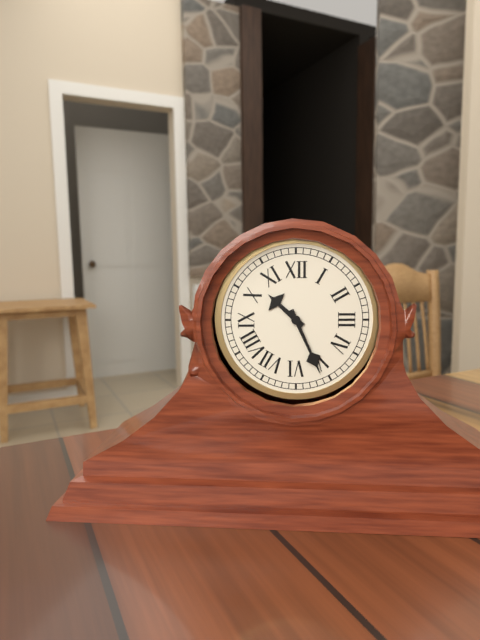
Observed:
10h26
